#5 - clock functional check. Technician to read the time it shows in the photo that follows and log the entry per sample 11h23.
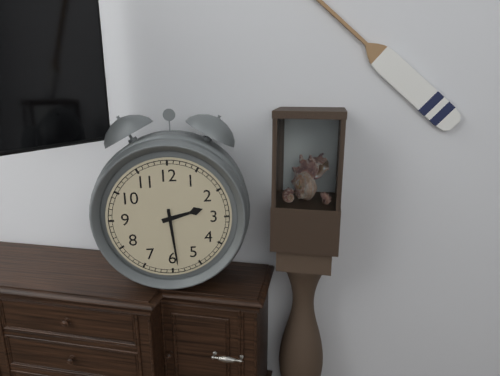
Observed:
2h29
